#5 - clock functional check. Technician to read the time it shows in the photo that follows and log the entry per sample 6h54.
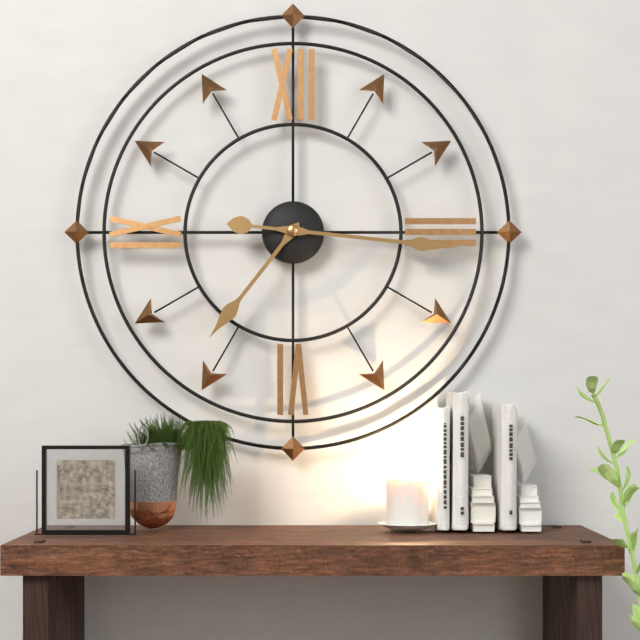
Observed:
7h16
